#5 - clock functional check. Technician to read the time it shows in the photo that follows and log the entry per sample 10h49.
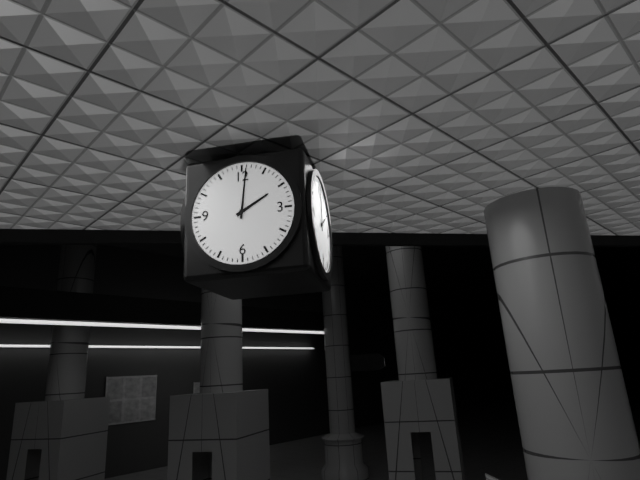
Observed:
2h01
